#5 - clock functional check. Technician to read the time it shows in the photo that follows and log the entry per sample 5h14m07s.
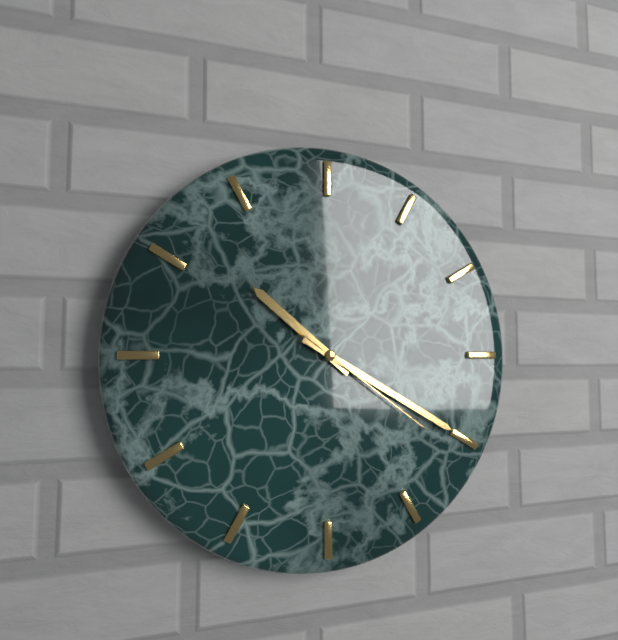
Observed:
10h20m21s
